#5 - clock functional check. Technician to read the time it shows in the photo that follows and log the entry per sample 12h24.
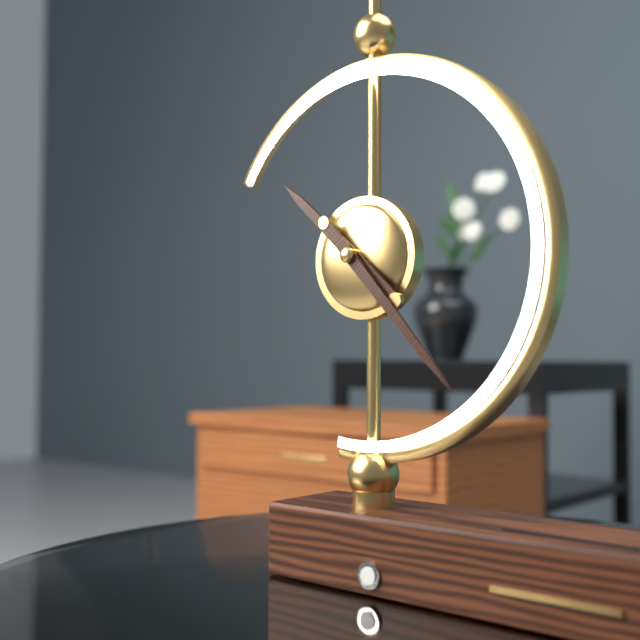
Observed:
10h23
